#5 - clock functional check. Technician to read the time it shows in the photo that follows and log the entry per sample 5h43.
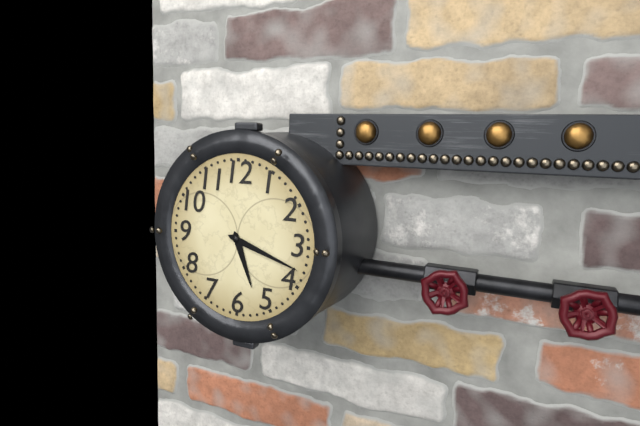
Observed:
5h18
